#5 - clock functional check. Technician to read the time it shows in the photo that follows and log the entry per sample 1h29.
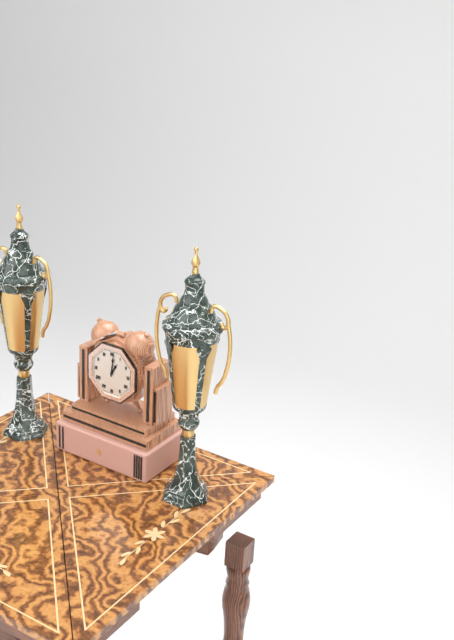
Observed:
1h01
